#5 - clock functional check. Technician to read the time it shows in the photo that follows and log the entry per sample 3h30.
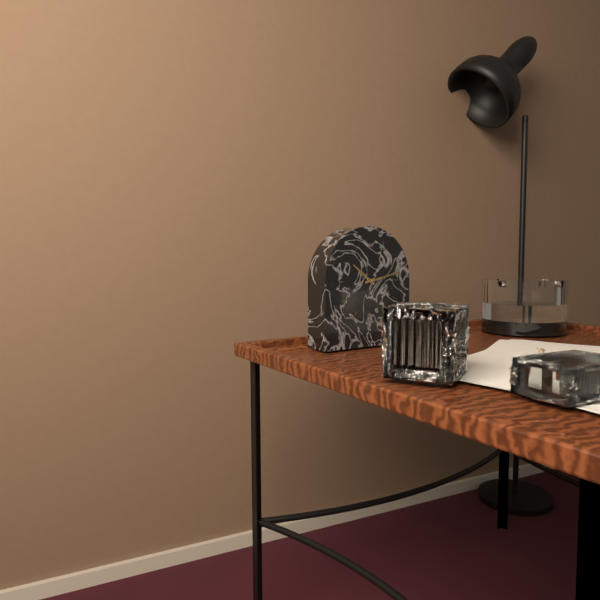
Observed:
10h13
